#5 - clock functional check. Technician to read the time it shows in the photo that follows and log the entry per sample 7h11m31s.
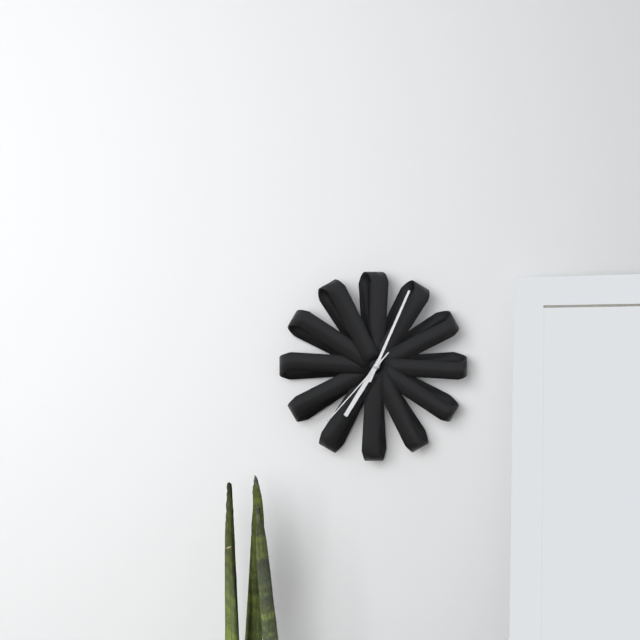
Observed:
7h04m37s
